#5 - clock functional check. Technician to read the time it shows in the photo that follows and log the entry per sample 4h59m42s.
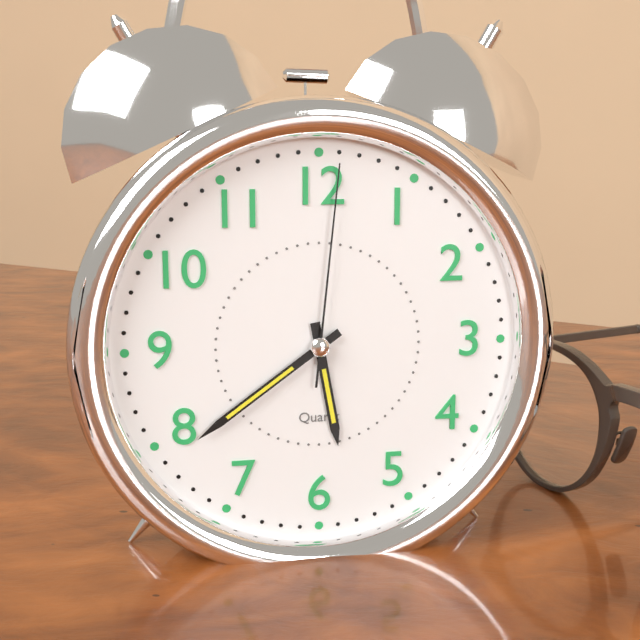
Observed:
5h39m01s
